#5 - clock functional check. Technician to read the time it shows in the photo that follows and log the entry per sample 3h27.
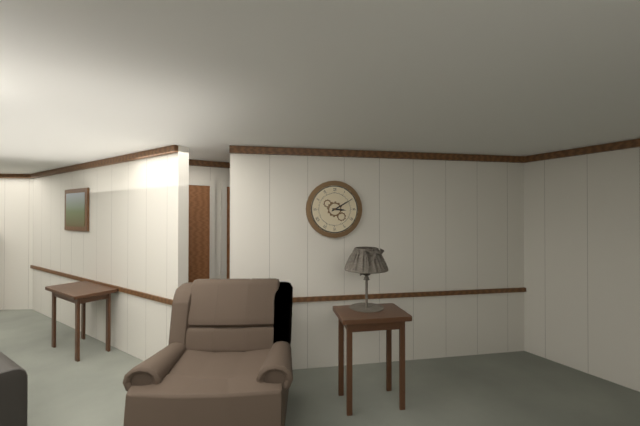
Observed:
3h10
